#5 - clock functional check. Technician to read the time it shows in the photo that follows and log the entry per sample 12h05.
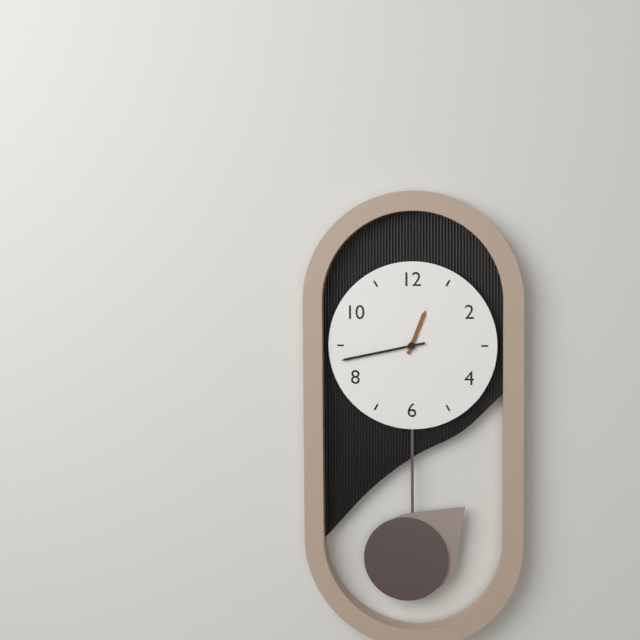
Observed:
12h43
